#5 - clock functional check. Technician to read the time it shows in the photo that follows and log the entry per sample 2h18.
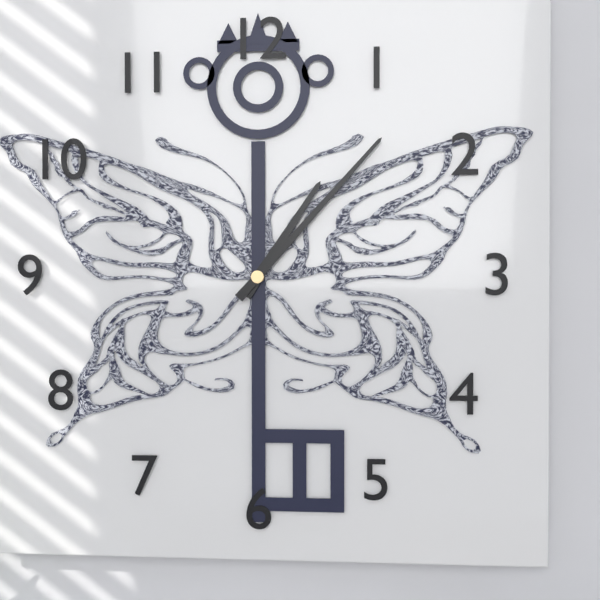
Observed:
1h07
